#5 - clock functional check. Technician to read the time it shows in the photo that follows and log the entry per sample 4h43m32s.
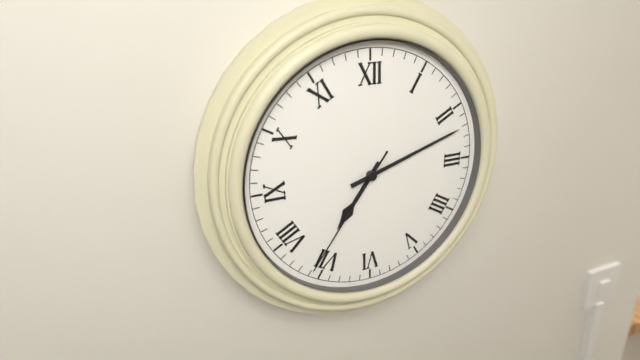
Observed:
7h12m36s
